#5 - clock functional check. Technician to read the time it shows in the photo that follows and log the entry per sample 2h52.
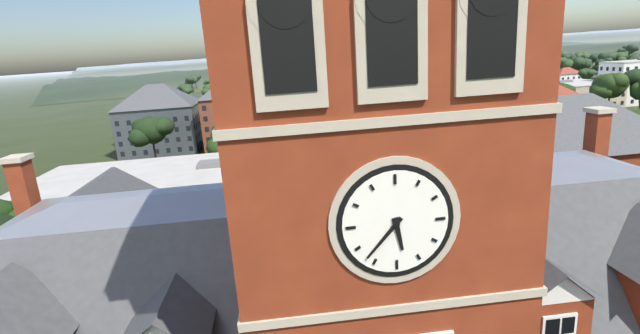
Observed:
5h37
